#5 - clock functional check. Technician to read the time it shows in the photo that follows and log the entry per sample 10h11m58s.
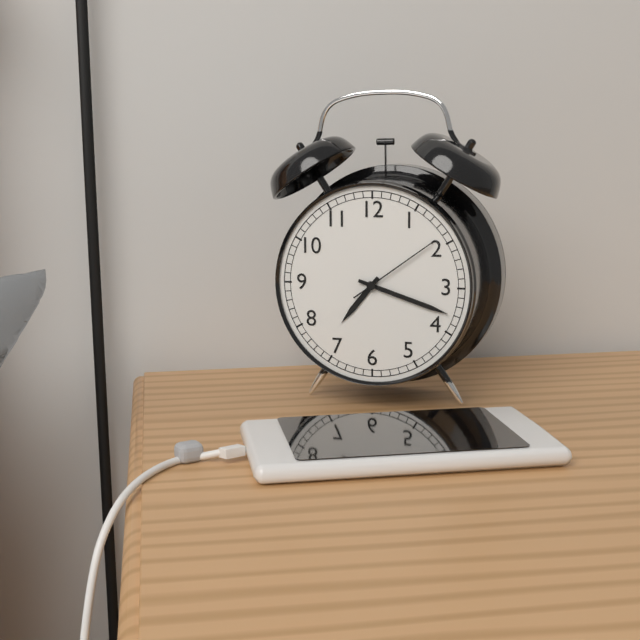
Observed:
7h18m09s
